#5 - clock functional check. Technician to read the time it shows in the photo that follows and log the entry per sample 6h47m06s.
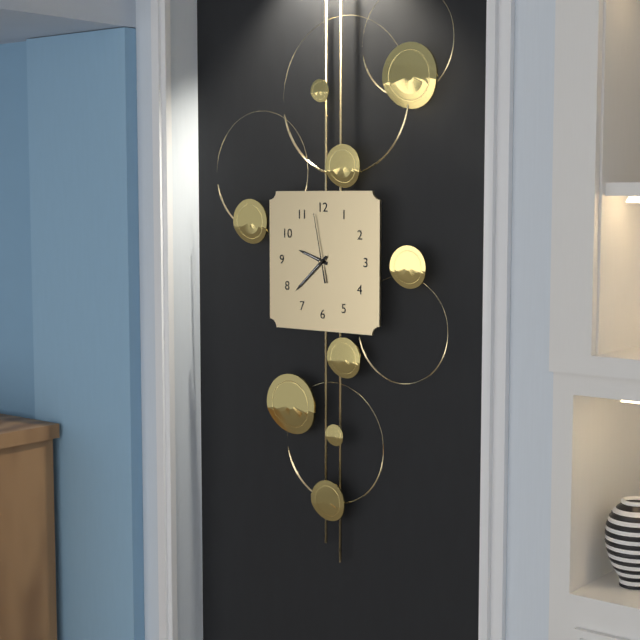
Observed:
9h38m58s
